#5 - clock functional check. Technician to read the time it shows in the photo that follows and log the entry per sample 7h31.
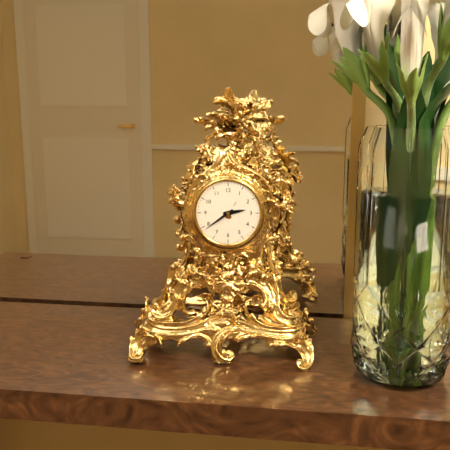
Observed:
2h39
